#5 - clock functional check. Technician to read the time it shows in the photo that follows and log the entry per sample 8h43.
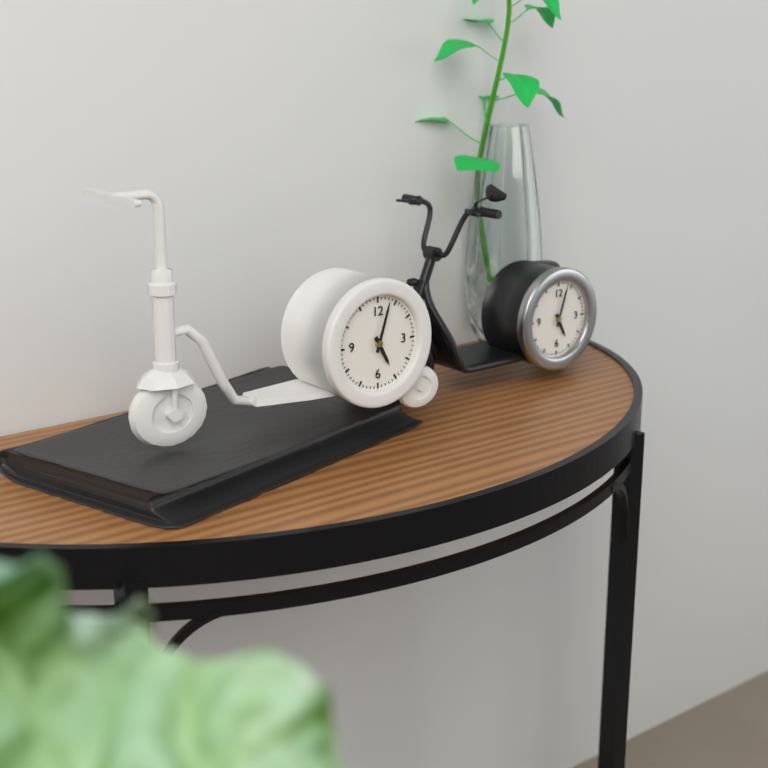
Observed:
5h03
